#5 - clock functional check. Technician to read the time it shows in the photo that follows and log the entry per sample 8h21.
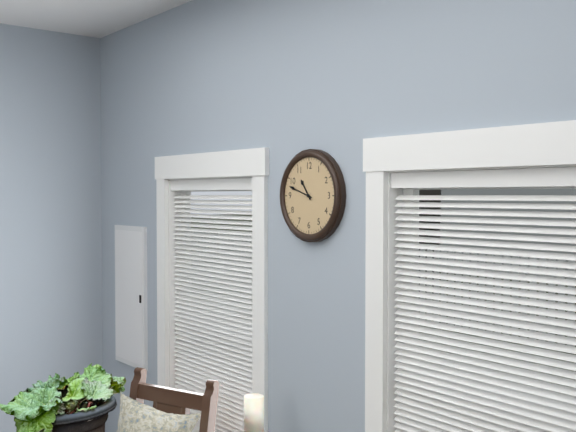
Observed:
10h48
